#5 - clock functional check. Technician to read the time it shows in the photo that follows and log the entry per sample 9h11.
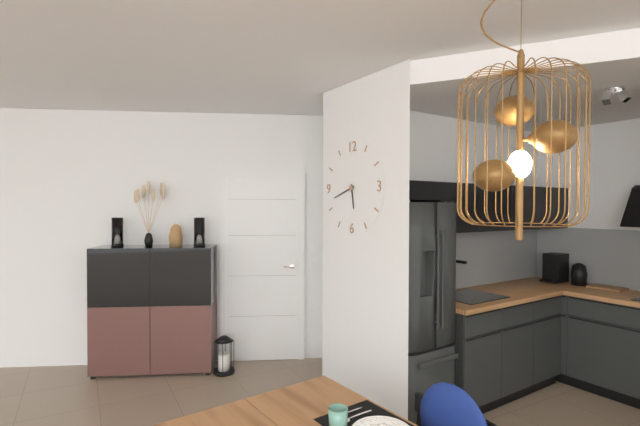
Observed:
5h42
